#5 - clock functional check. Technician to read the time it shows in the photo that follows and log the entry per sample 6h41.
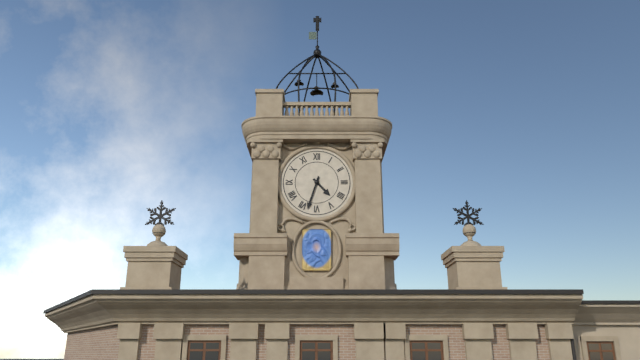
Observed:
4h33
